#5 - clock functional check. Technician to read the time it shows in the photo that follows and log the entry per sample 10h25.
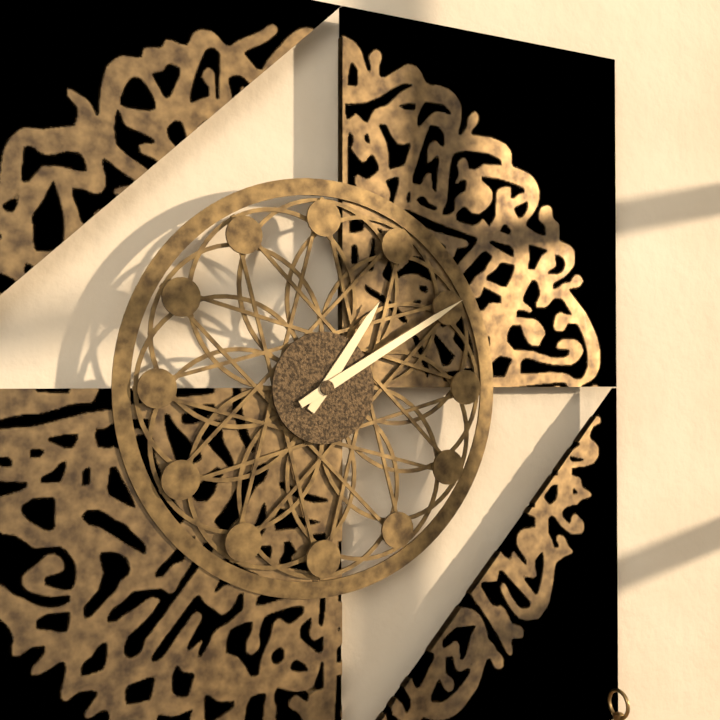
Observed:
1h10
